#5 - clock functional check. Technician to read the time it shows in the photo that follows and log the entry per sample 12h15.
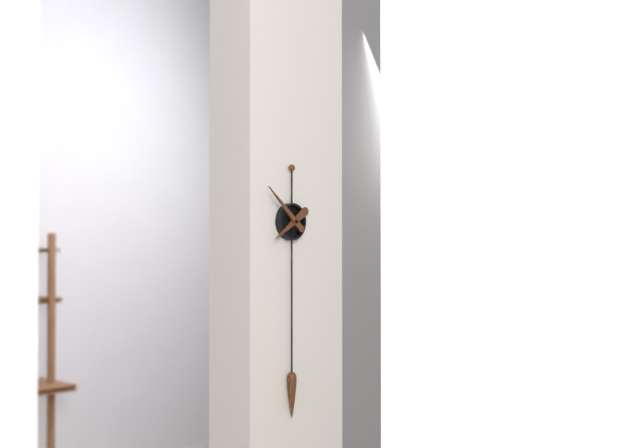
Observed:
7h52
